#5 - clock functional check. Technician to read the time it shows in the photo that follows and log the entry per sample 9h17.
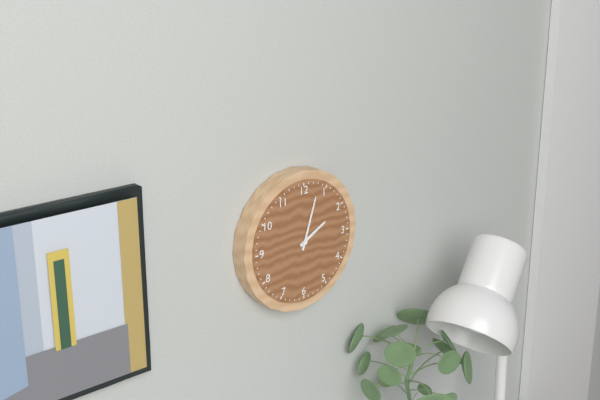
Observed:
2h03
